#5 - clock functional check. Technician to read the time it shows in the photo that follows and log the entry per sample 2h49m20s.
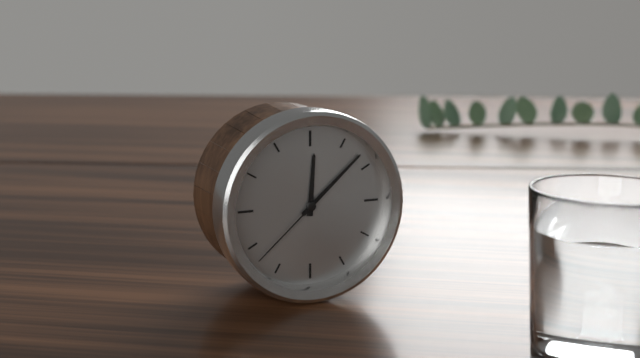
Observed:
12h08m38s
